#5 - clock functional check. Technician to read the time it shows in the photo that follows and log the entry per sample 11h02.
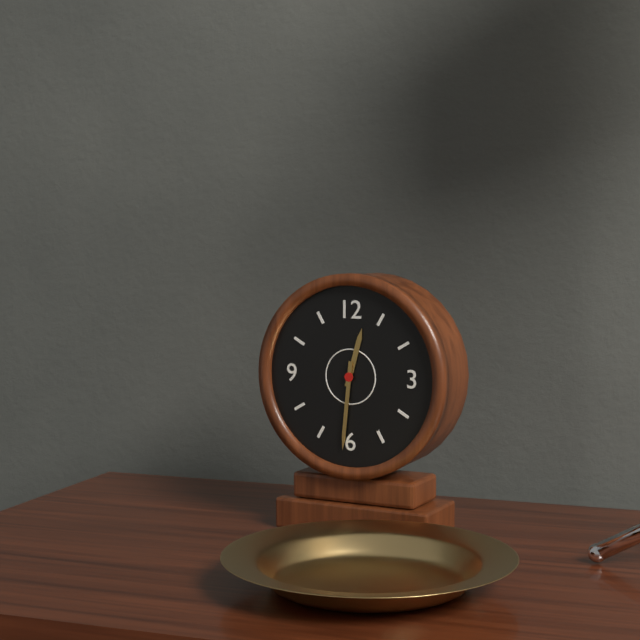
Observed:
12h31
